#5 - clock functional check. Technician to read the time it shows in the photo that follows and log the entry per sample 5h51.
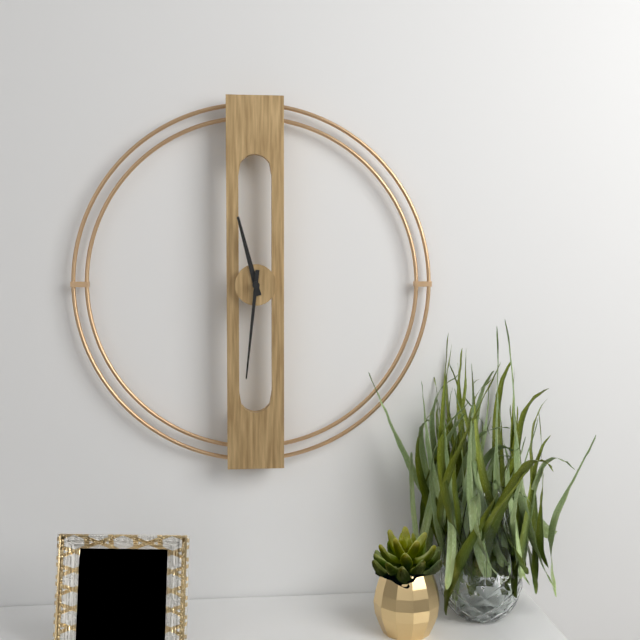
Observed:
11h31
